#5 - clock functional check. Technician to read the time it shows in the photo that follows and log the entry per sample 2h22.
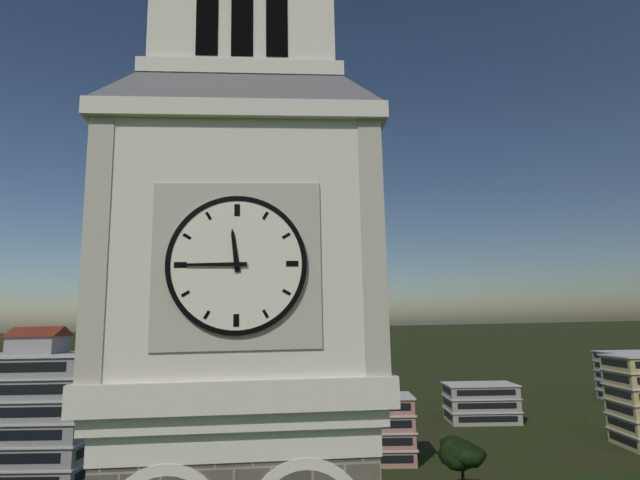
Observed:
11h45
